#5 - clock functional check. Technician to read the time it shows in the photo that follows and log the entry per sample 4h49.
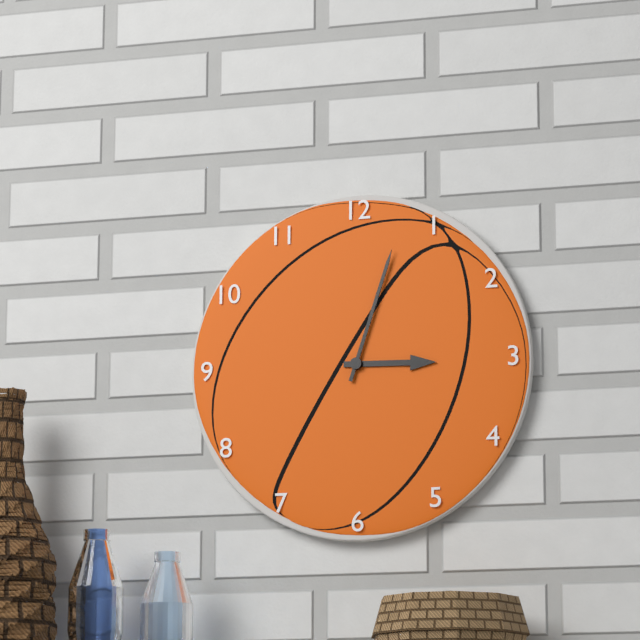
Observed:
3h03
